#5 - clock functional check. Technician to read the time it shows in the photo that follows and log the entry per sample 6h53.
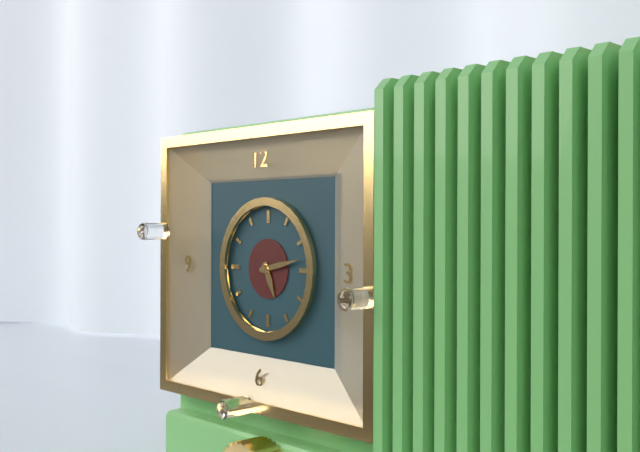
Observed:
5h13
